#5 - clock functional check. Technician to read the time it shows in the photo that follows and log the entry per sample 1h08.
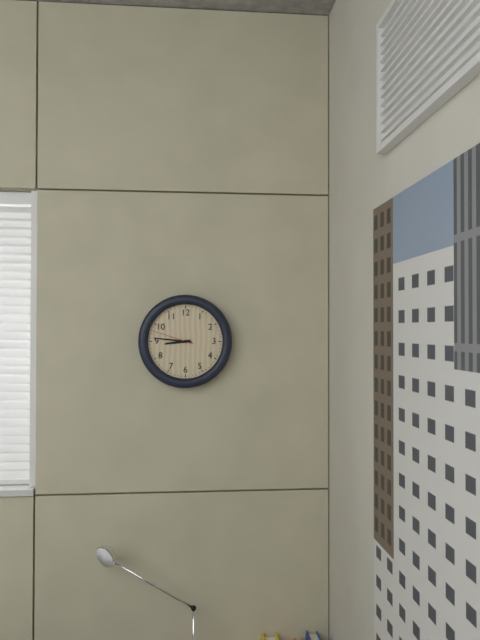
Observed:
8h46
